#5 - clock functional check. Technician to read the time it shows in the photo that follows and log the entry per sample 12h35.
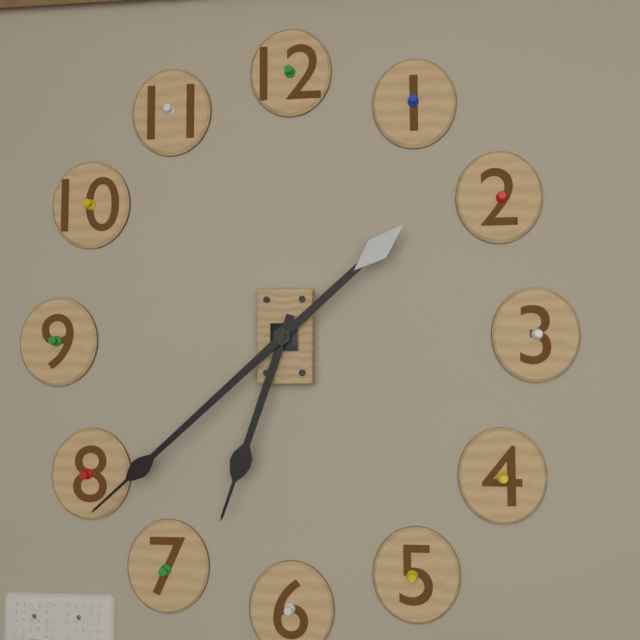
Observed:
6h38
